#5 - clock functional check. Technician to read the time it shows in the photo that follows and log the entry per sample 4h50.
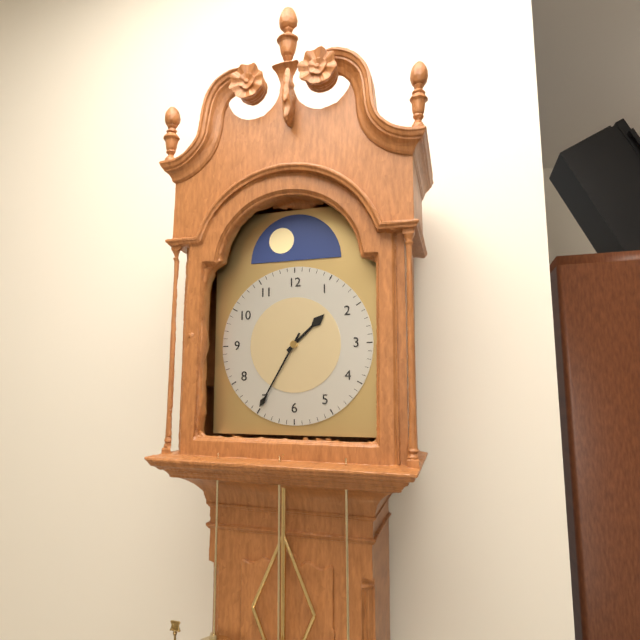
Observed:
1h35
